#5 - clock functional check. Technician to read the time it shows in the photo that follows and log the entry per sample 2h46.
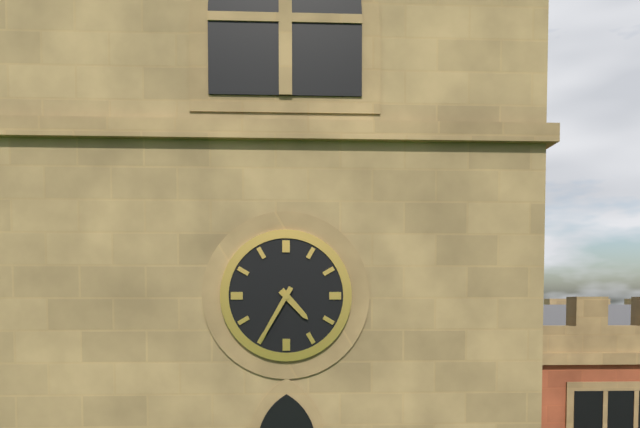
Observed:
4h35
